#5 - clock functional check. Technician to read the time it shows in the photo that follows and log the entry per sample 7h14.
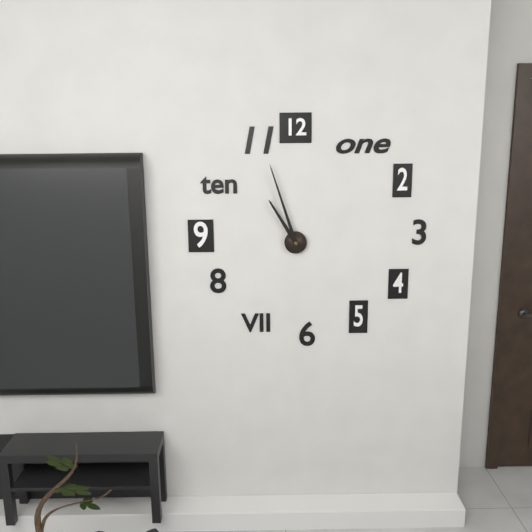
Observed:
10h57
